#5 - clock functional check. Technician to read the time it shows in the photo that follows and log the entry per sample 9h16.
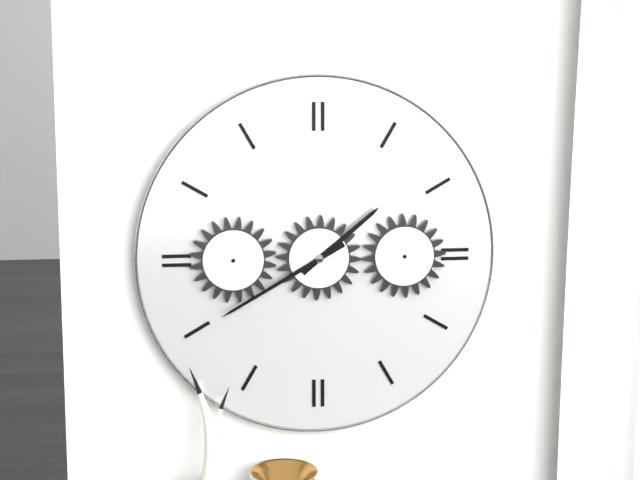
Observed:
1h40
